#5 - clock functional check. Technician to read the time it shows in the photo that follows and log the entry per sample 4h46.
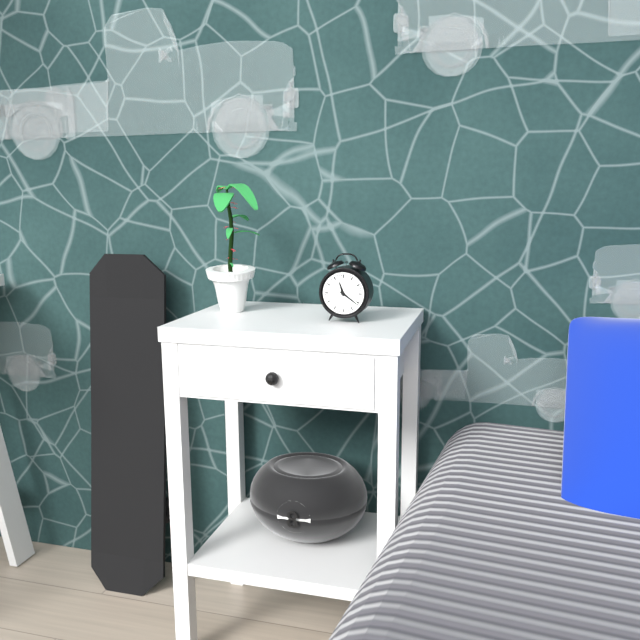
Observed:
11h21
